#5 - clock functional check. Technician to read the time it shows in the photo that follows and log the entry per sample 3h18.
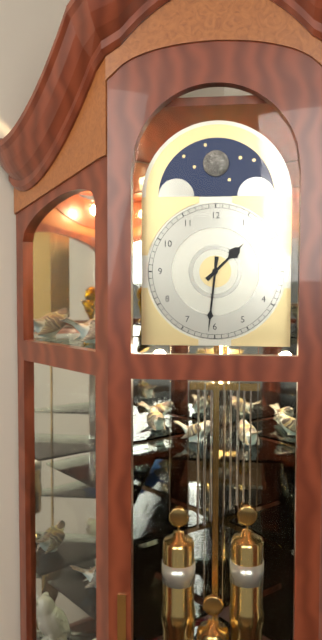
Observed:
1h31
